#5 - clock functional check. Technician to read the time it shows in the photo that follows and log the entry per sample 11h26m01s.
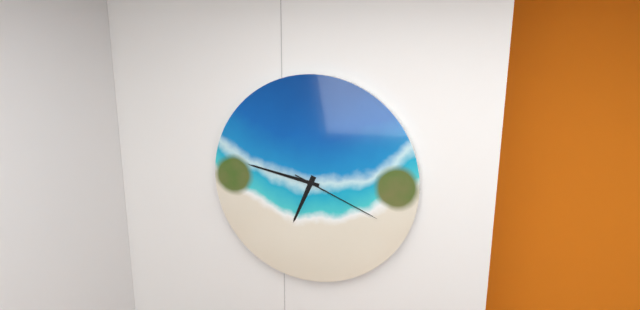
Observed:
6h47m19s
